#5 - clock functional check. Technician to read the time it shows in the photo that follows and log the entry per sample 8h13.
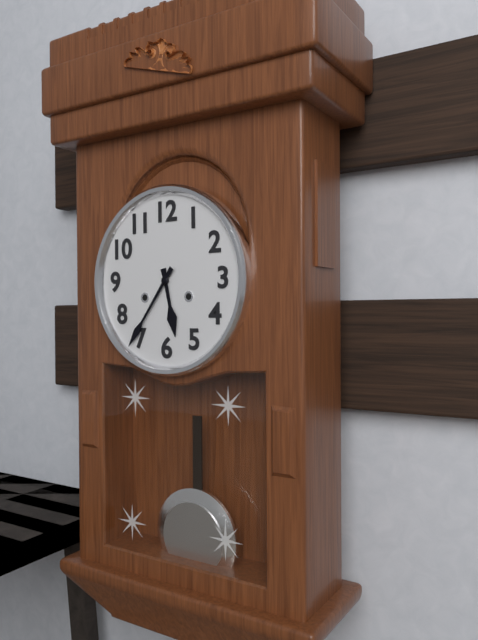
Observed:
5h36
